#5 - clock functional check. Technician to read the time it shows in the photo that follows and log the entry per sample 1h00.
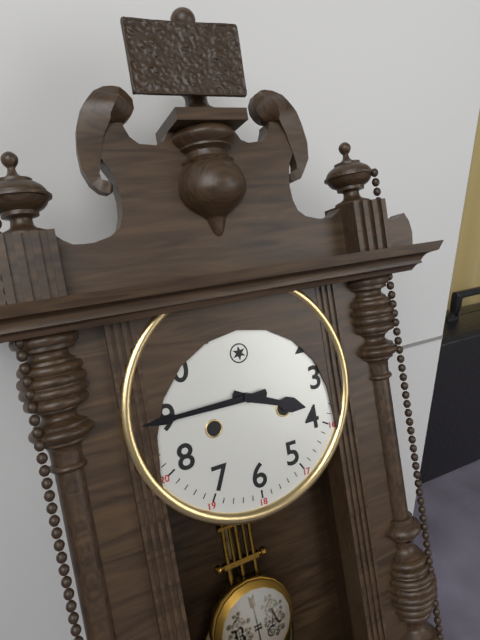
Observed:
3h45
